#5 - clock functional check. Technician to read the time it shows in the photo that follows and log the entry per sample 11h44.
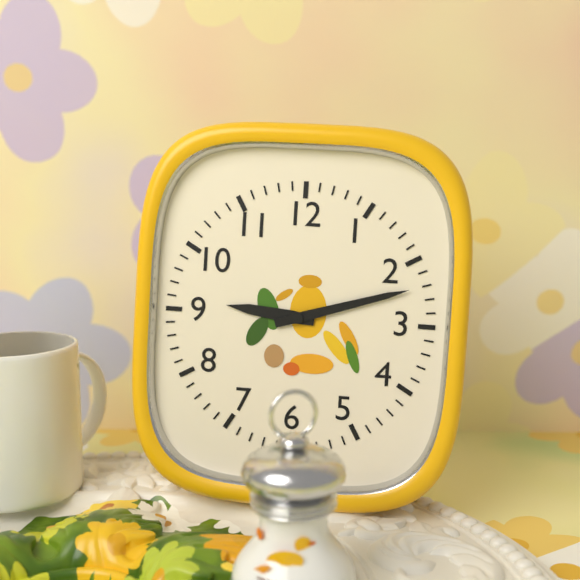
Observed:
9h12
